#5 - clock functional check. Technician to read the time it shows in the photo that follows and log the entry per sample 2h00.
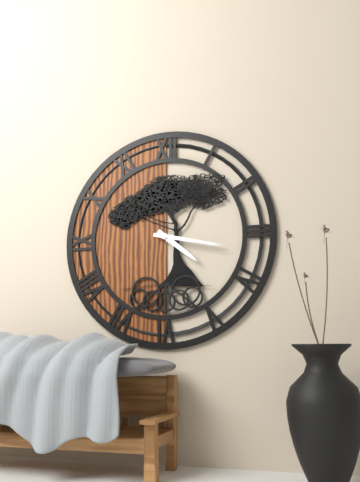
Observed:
4h17
